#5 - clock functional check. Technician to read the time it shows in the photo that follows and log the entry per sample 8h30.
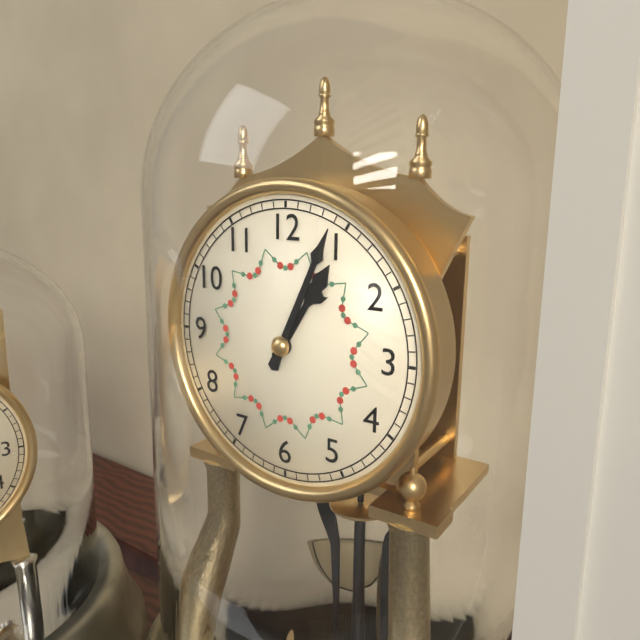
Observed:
1h04
